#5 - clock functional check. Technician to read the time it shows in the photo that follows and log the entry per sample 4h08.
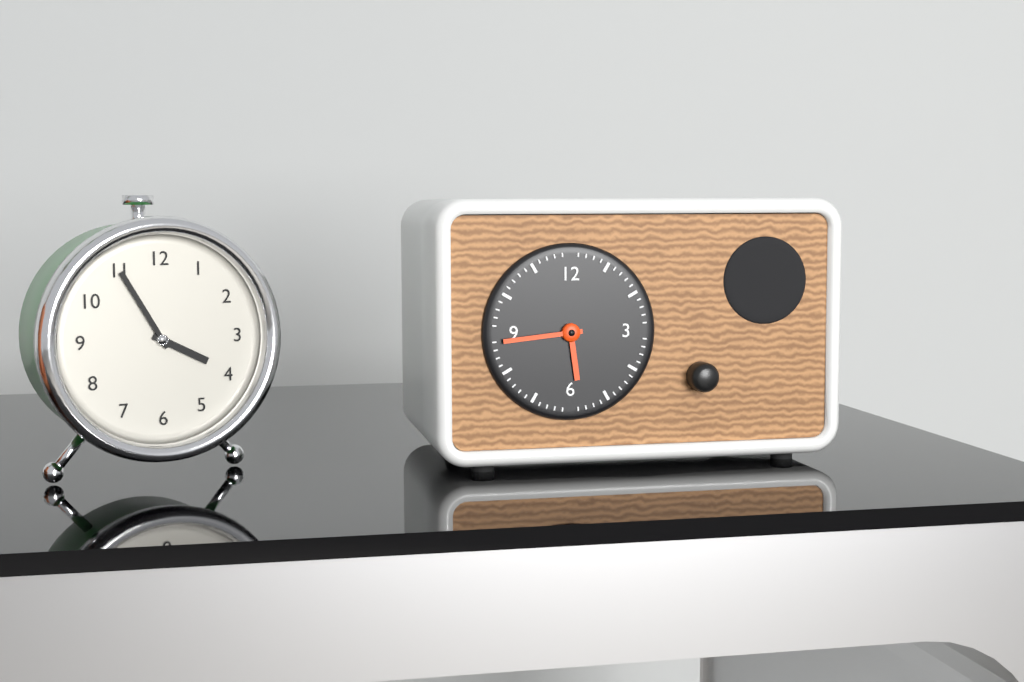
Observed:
5h44
